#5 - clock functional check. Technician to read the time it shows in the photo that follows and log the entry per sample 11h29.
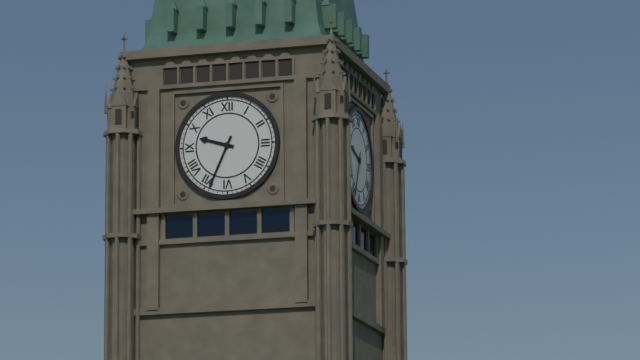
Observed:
9h34
